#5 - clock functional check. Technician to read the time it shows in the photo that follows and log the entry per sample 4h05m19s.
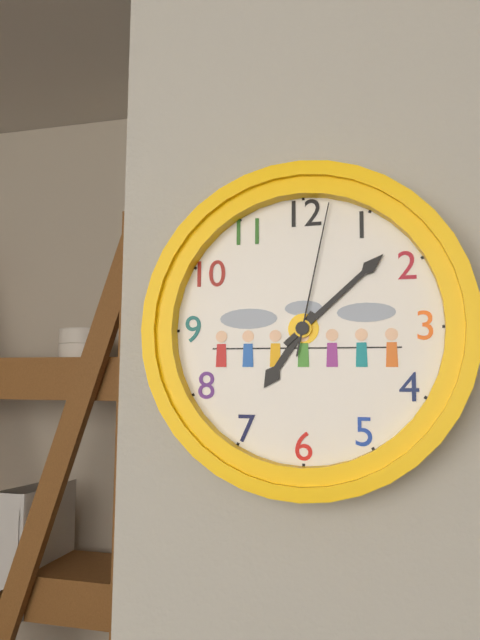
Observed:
7h08m02s
